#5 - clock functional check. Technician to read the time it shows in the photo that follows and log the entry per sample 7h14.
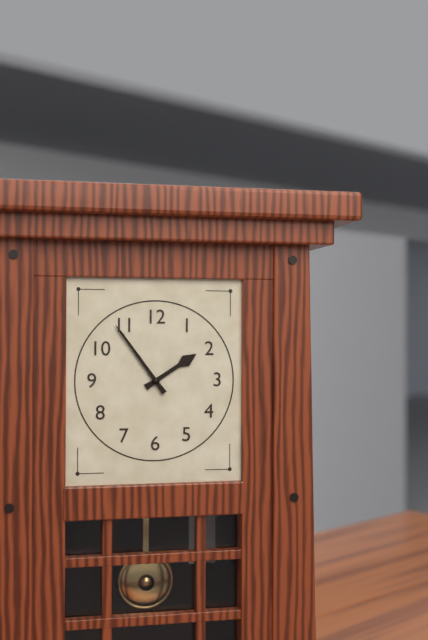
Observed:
1h54
